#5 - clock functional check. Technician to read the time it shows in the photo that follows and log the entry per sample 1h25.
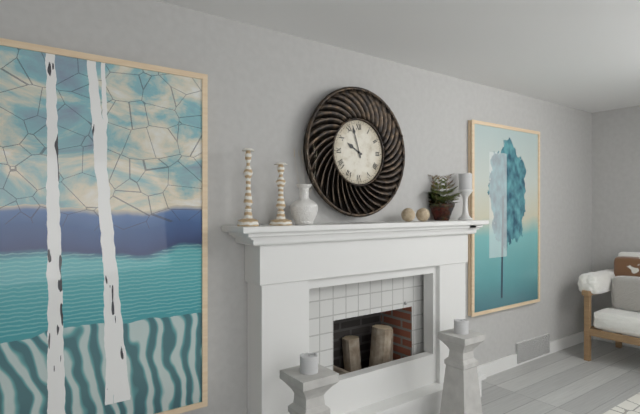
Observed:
9h57
